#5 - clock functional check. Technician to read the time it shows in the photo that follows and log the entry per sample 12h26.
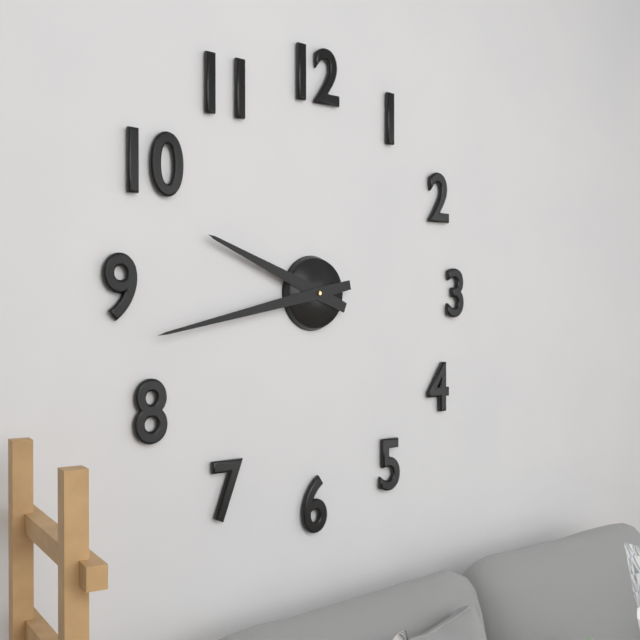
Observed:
9h43
